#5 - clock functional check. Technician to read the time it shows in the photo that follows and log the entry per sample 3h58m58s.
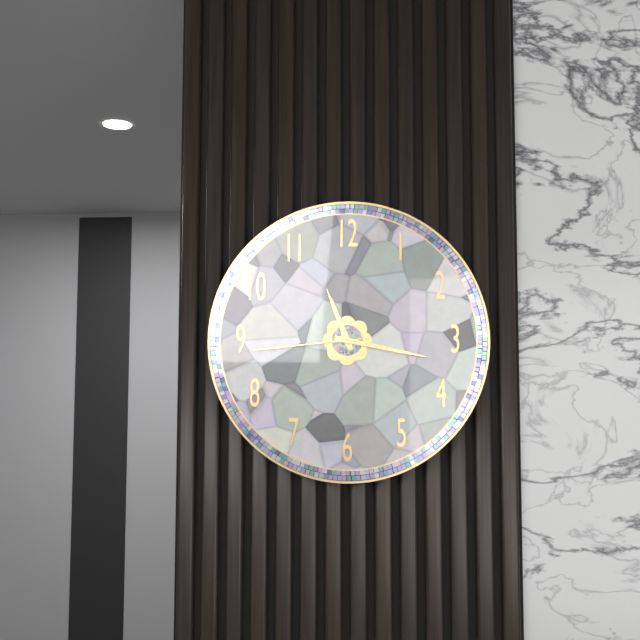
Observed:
11h17m44s
